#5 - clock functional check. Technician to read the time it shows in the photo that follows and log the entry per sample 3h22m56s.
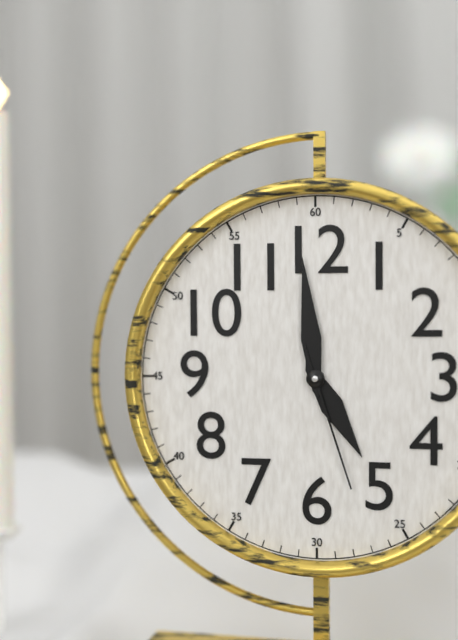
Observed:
4h59m27s
